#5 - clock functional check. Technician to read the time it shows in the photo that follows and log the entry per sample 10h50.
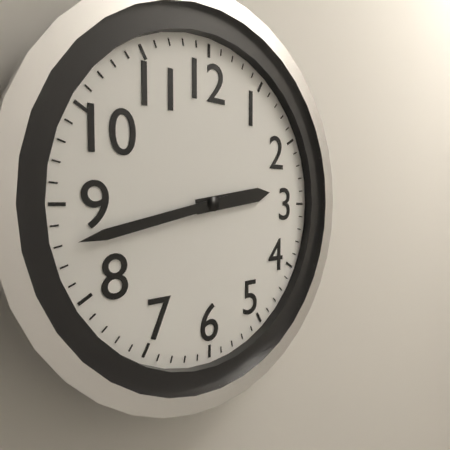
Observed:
2h43
